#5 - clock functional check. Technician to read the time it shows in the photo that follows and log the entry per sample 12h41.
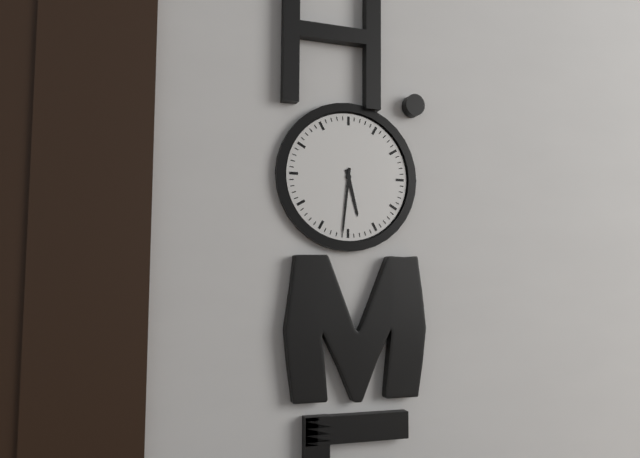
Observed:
5h31
